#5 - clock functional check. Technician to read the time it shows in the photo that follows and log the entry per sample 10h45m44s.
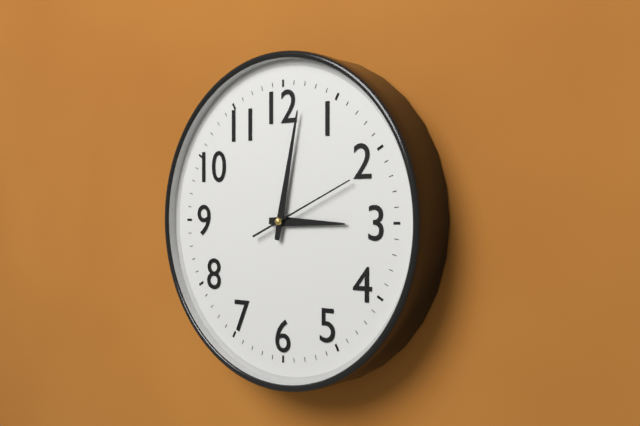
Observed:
3h02m11s
